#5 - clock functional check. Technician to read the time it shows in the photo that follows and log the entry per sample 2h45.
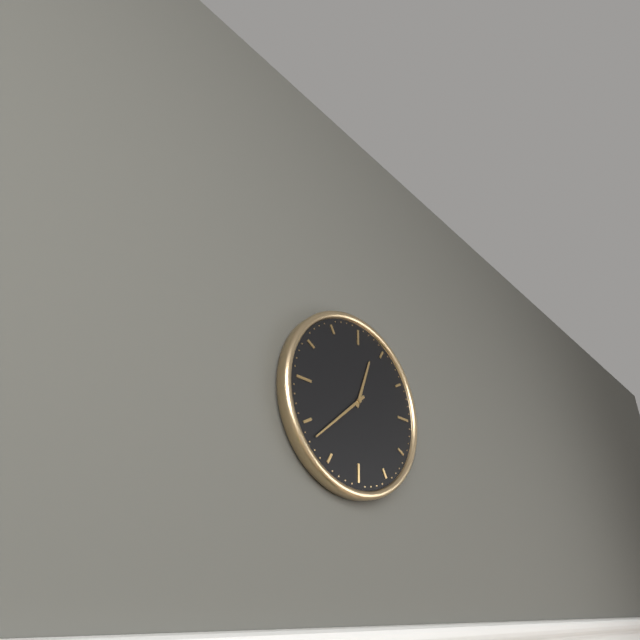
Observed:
12h38
